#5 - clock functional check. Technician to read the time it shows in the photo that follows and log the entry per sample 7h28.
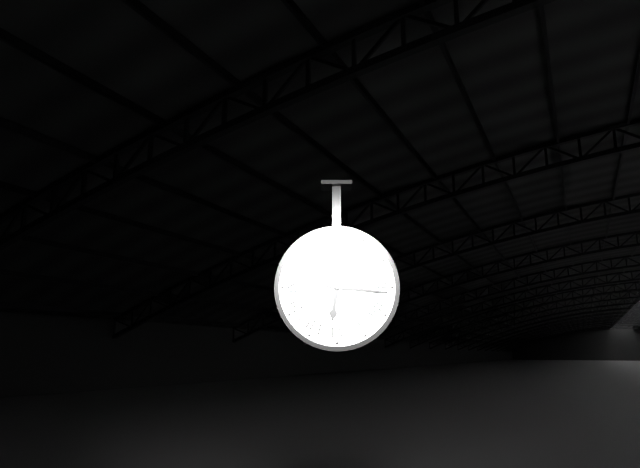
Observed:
6h16
